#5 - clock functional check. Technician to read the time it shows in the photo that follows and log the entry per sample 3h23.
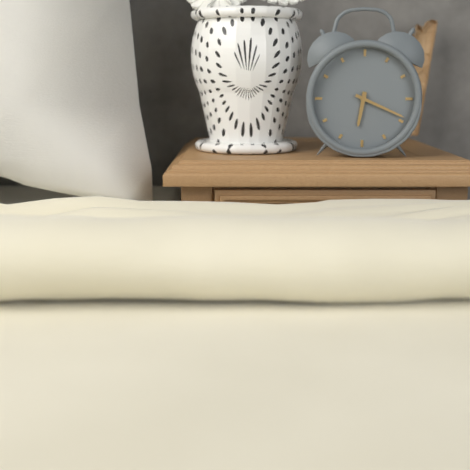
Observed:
6h19
